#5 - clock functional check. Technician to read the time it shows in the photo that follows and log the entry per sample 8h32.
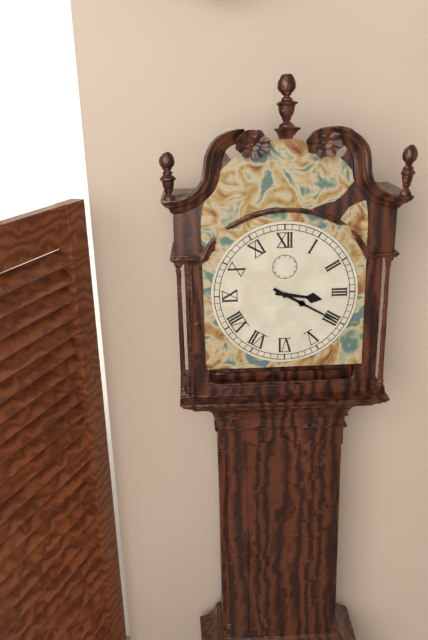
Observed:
3h20
